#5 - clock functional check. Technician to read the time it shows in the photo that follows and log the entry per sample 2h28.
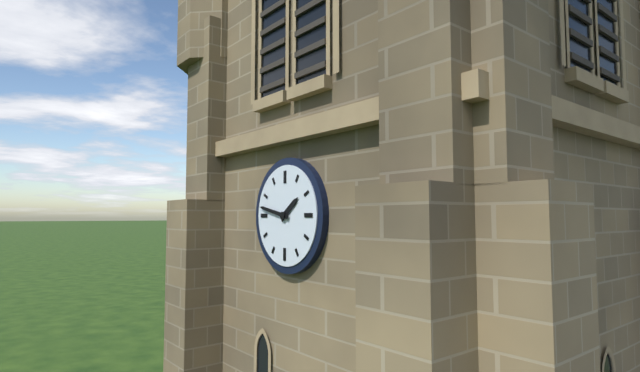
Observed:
1h47
